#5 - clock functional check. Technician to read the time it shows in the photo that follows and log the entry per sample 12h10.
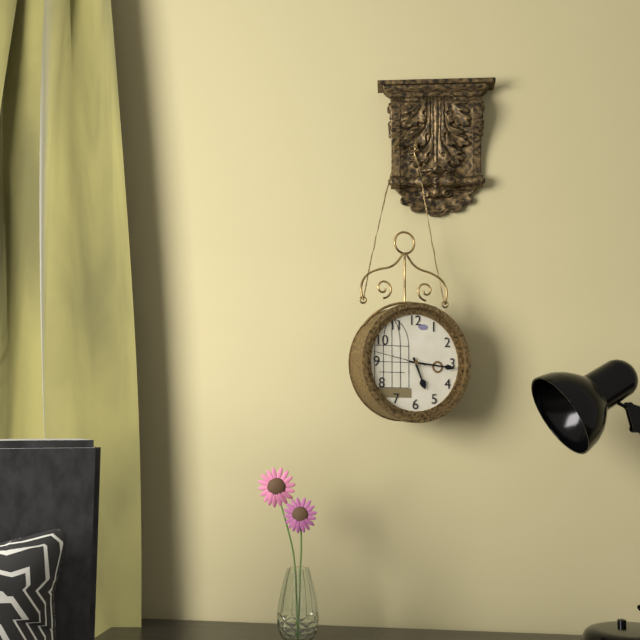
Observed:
5h16
